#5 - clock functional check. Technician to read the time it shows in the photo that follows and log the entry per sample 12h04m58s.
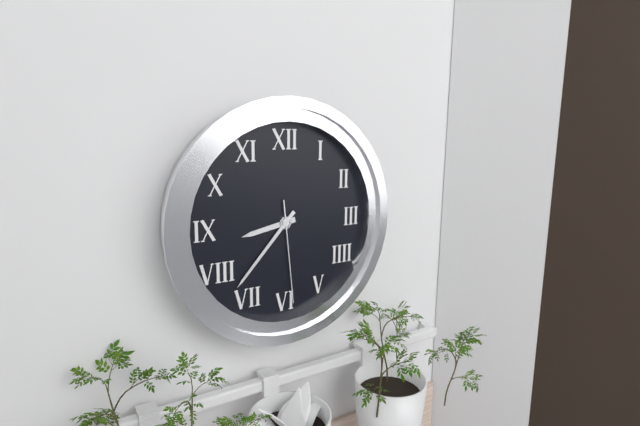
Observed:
8h37m29s
